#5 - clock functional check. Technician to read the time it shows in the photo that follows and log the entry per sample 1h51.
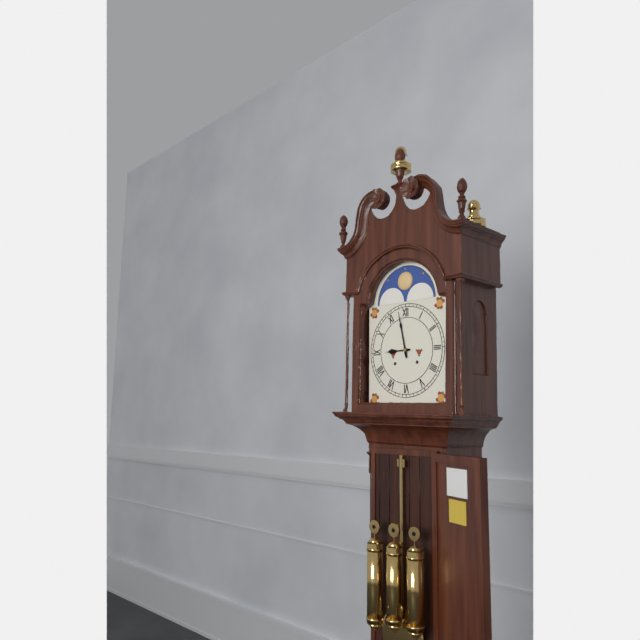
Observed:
8h58
